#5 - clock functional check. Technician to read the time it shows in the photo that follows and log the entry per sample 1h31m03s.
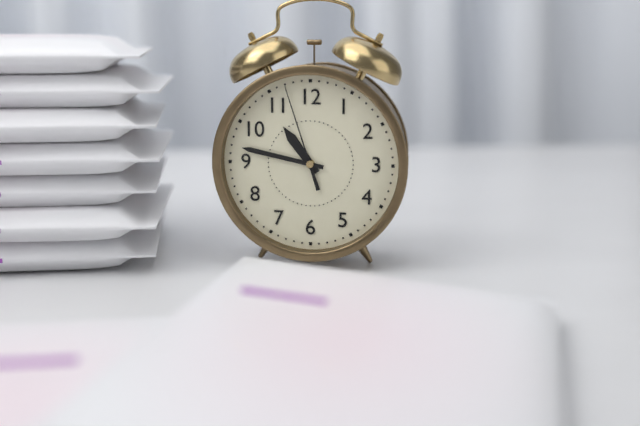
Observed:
10h47m57s
